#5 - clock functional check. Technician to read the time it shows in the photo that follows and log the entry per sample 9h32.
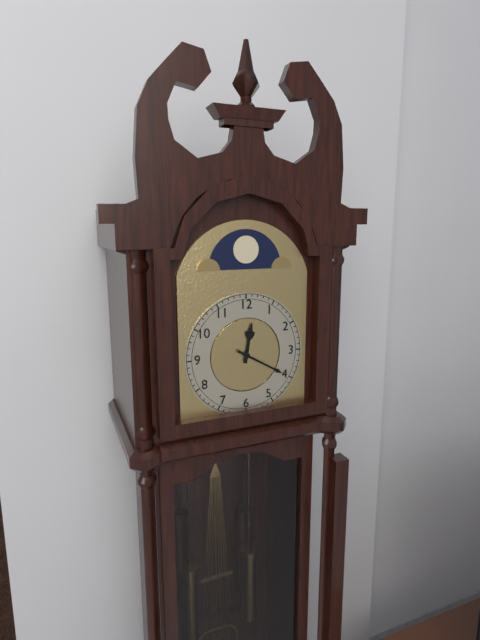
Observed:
12h20
